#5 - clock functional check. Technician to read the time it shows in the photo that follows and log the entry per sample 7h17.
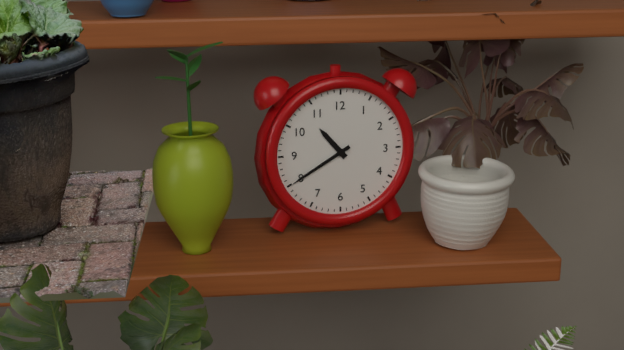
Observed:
10h40
